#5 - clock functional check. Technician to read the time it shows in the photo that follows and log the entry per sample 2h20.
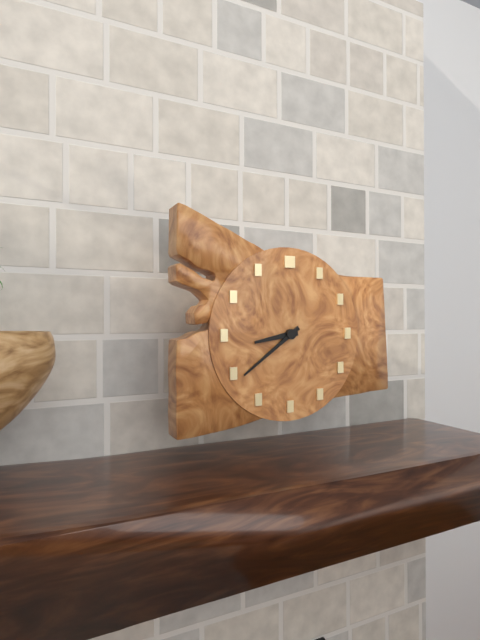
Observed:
8h39
